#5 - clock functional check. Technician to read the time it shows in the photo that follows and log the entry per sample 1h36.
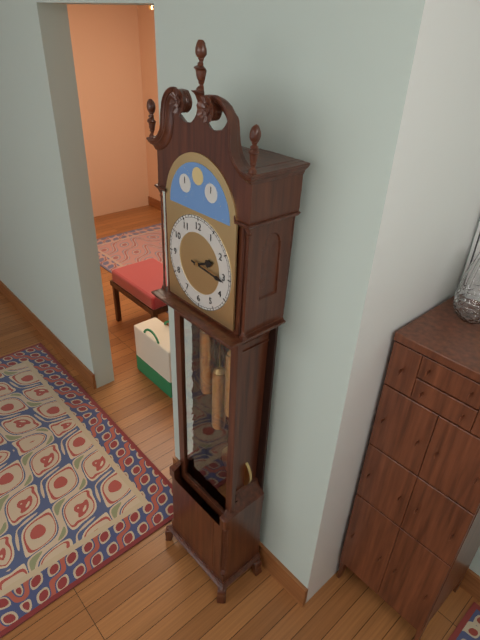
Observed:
2h16
